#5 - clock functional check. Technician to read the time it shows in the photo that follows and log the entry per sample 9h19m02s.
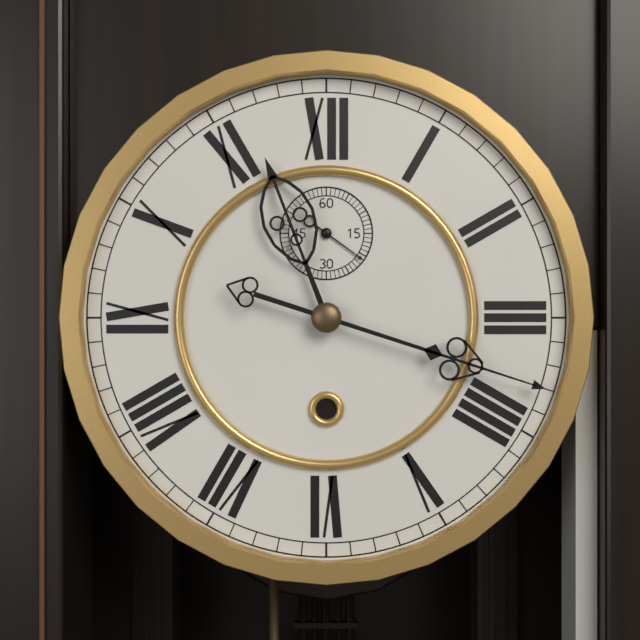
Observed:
11h18m21s
